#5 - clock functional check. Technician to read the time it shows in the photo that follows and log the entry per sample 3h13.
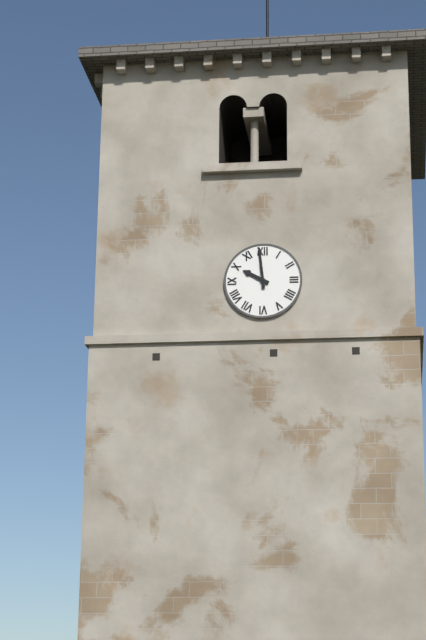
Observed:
9h59
